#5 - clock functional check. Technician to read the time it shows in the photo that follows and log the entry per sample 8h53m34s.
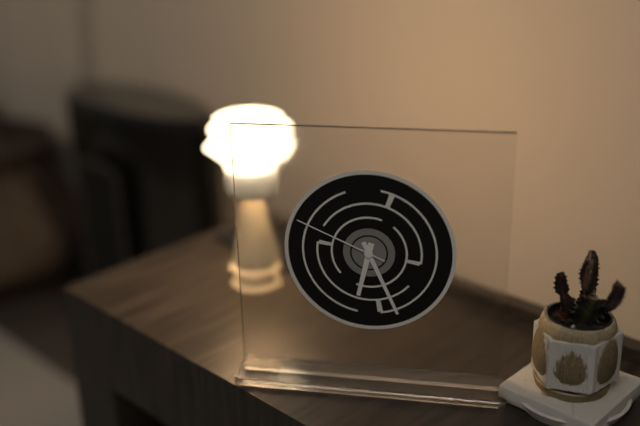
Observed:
6h26m49s
